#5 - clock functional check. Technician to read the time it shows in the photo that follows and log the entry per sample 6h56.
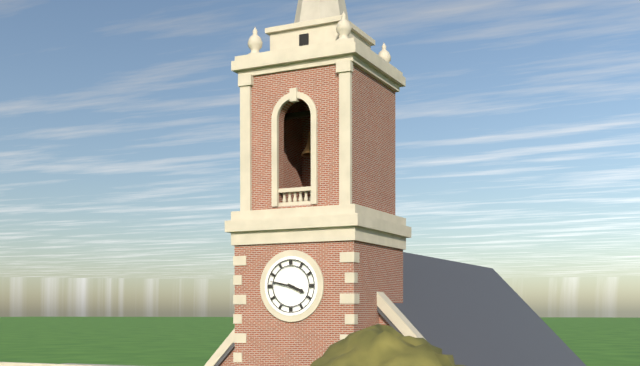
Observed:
3h47
